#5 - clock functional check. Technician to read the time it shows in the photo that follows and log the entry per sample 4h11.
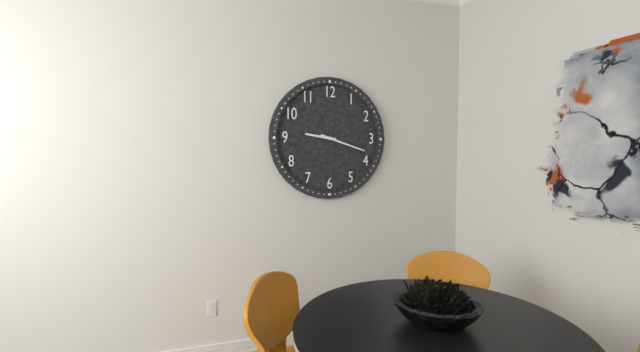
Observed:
9h18
